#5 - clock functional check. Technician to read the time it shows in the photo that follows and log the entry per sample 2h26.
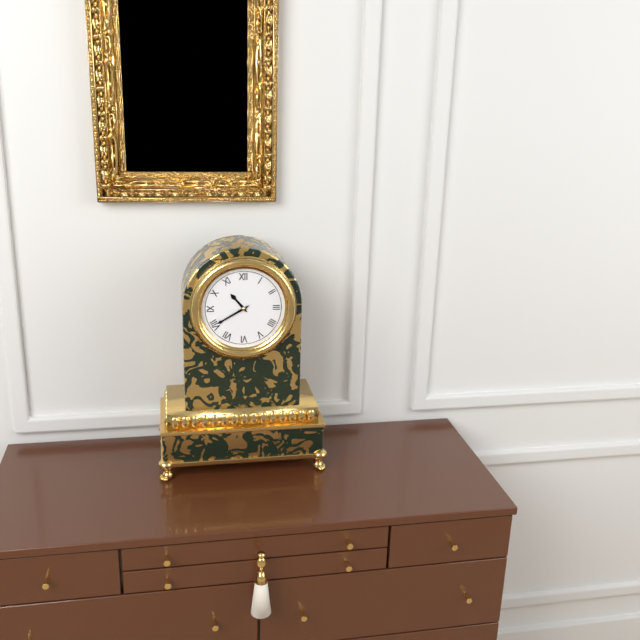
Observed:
10h40
